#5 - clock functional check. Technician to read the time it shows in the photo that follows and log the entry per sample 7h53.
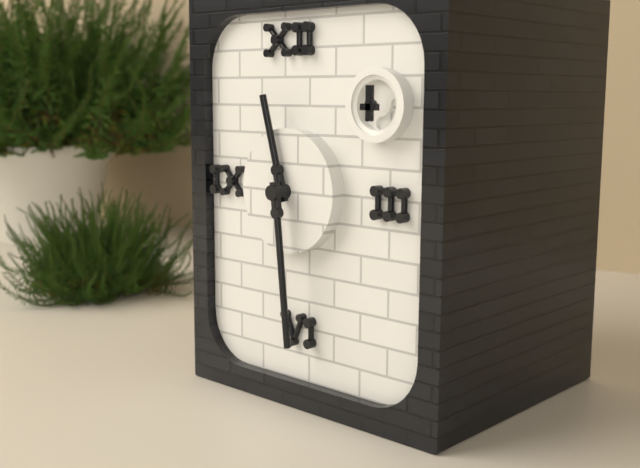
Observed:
11h29
